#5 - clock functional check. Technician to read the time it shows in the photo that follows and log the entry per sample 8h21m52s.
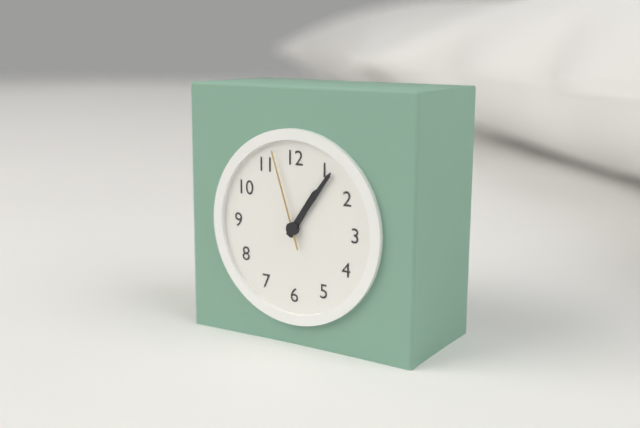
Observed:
1h06m57s
